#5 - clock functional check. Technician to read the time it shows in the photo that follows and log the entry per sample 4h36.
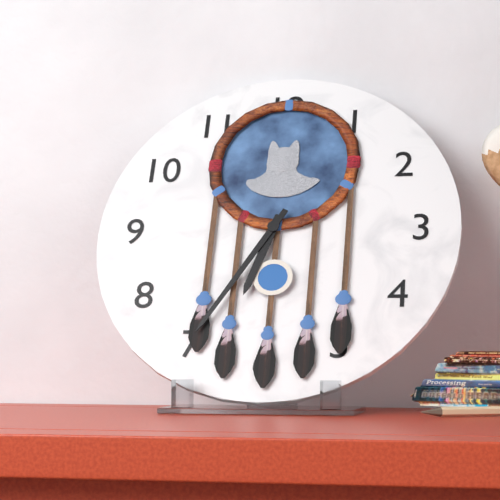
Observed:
6h35
